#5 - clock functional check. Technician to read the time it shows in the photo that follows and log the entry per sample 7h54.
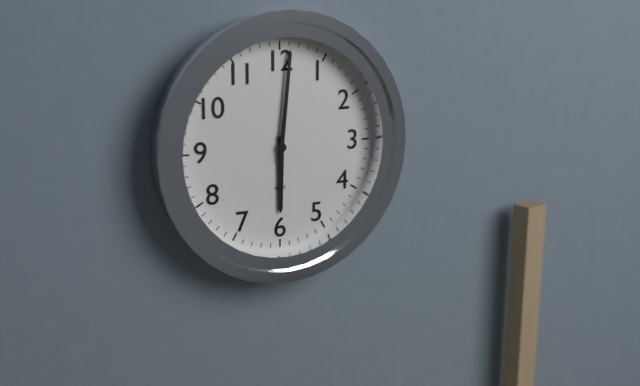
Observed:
6h01
